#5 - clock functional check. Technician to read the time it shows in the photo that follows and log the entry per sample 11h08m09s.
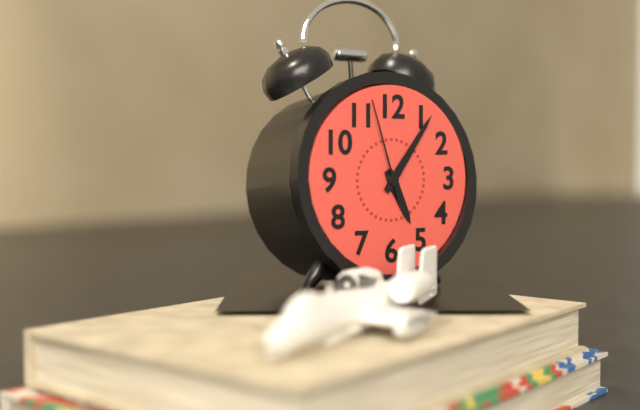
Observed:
5h06m57s
